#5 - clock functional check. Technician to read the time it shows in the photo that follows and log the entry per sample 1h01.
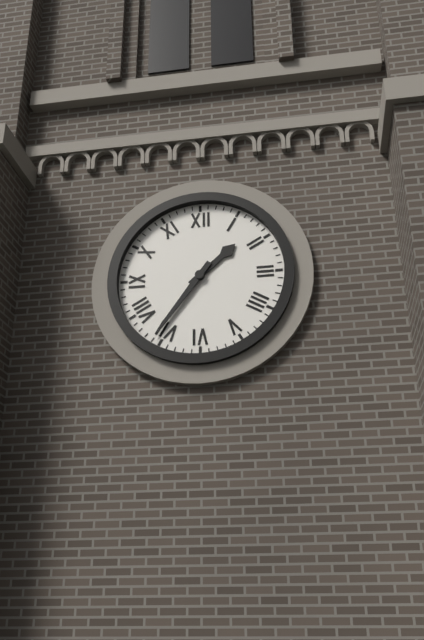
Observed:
1h36
